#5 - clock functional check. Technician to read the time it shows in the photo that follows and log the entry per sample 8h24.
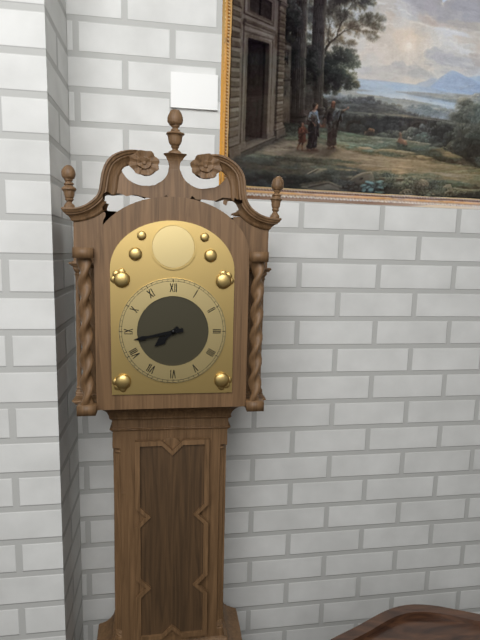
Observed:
7h43
